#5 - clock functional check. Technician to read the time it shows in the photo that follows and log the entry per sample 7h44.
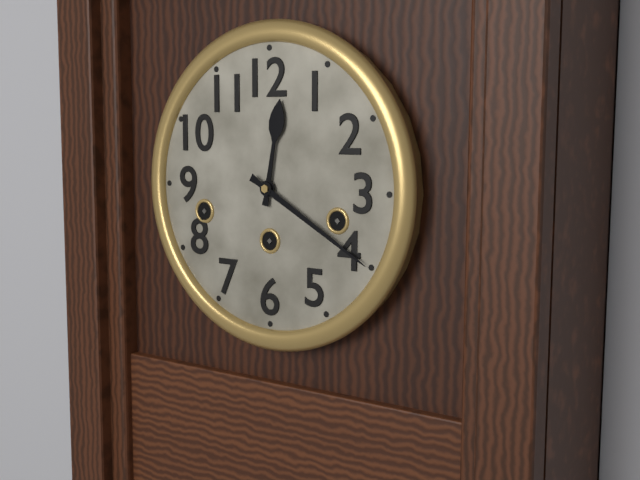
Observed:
12h20
